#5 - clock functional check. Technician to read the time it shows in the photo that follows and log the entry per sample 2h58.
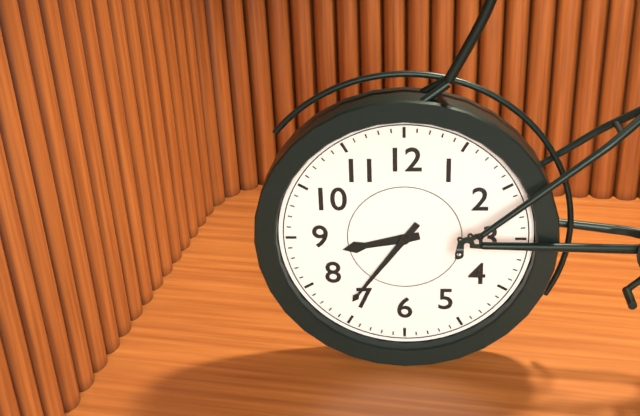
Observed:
8h36
